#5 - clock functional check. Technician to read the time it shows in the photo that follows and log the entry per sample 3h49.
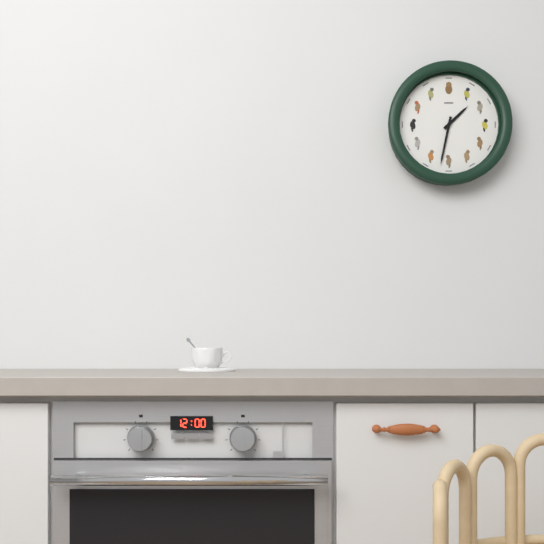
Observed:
1h32
